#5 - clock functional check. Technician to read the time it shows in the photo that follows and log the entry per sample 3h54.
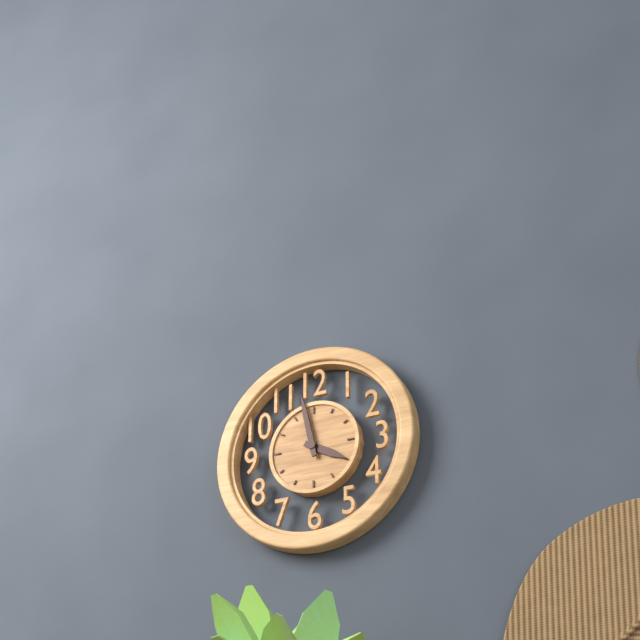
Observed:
3h58
